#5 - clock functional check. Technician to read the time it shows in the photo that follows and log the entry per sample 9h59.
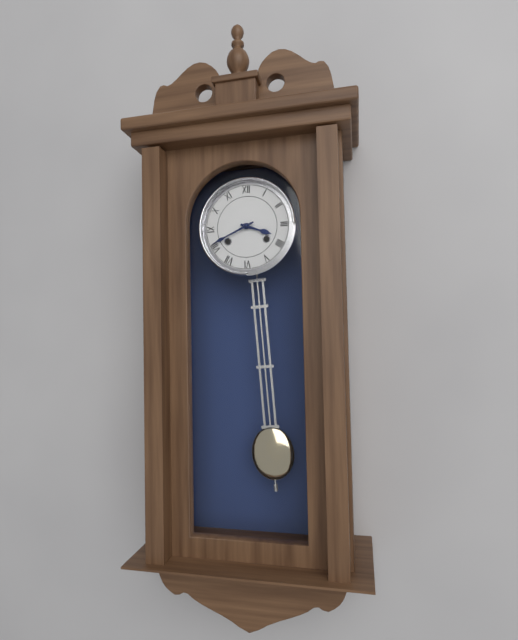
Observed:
3h41
